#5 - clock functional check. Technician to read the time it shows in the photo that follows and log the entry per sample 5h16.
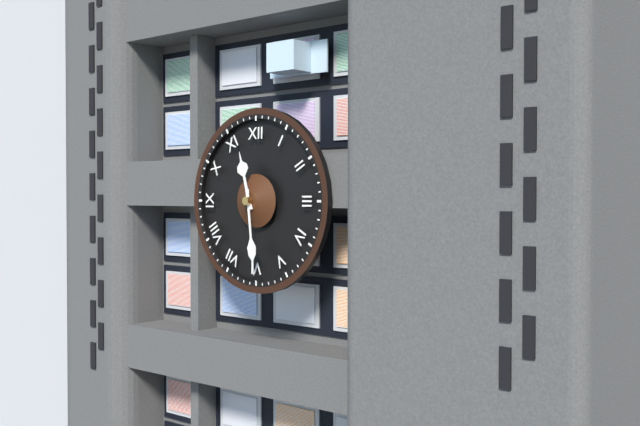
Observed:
11h29
